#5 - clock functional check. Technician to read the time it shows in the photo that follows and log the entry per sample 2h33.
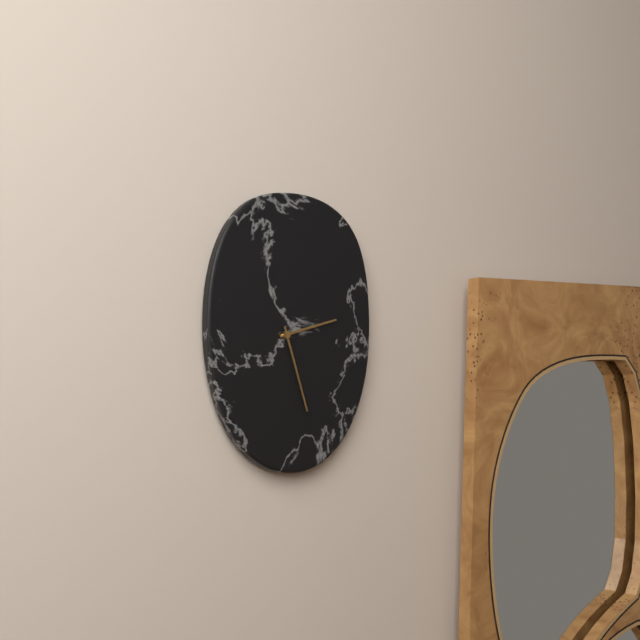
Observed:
2h27
